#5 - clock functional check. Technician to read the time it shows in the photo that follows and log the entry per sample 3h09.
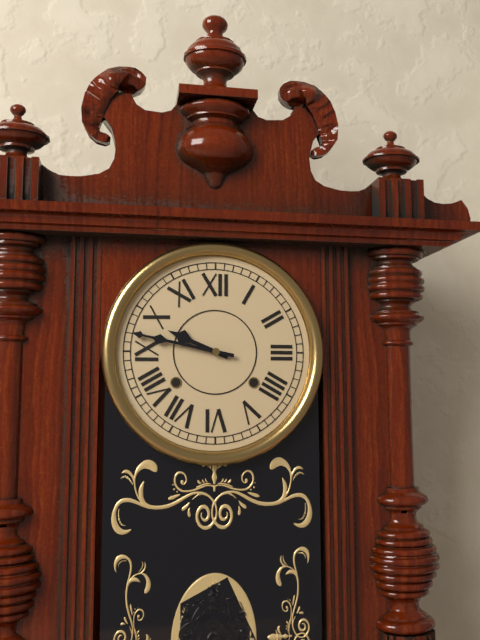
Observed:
9h47
